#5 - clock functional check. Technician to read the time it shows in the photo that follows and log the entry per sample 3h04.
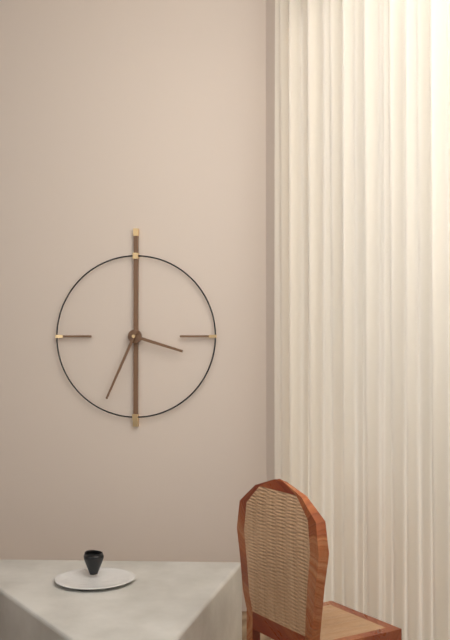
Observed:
3h34
